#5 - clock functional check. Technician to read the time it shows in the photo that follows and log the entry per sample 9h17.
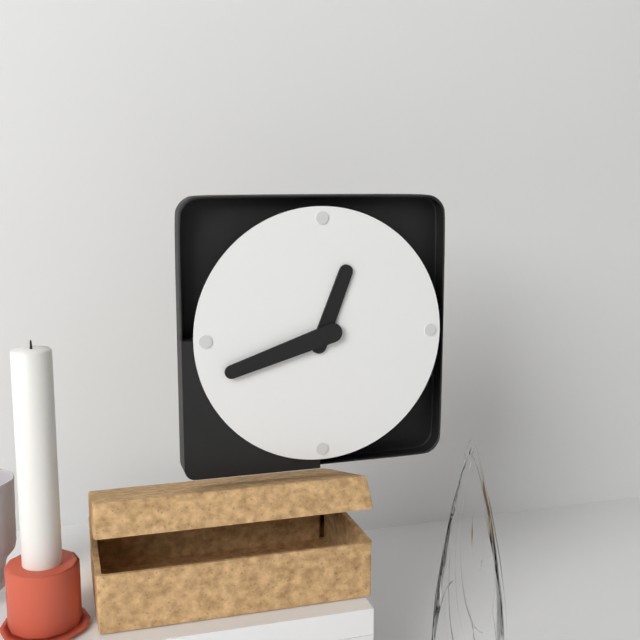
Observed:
12h42
